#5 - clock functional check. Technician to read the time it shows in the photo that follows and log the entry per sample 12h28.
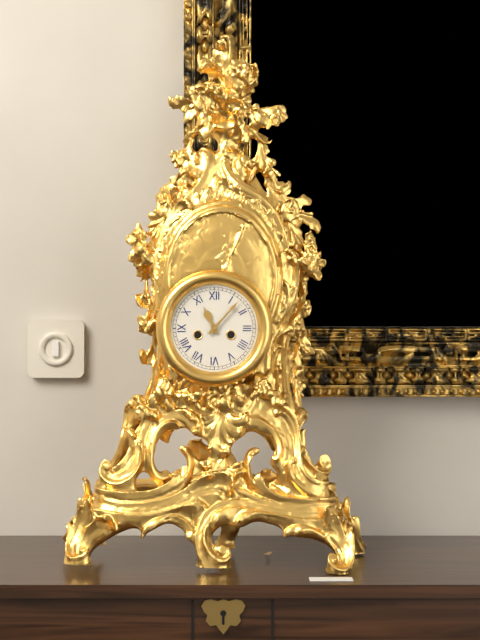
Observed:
11h07
